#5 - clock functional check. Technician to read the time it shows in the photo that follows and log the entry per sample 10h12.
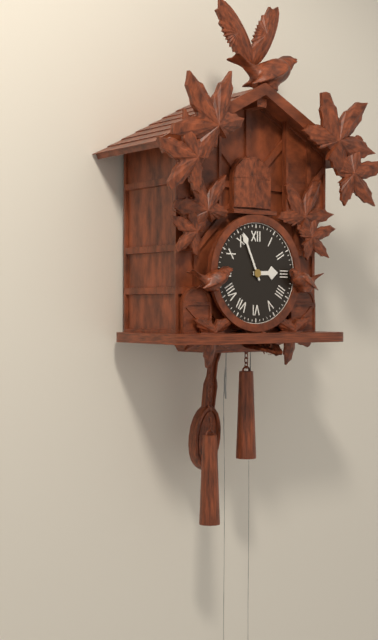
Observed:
2h56
